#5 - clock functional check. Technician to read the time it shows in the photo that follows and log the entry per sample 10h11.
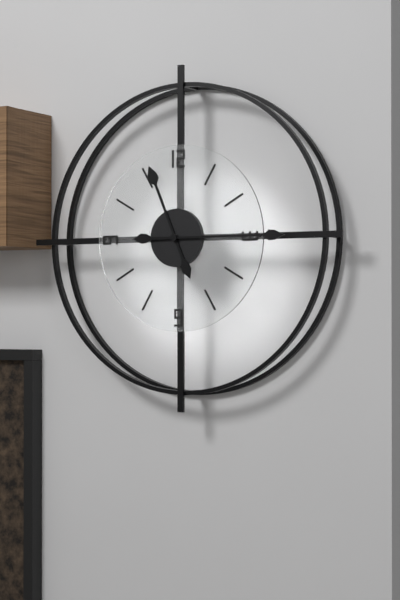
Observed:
11h15
